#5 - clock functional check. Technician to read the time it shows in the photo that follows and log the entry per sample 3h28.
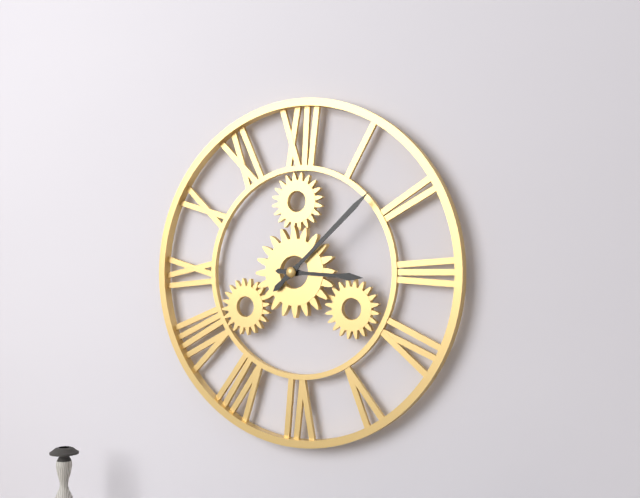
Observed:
3h08
